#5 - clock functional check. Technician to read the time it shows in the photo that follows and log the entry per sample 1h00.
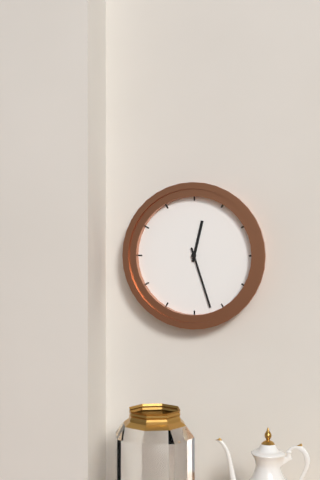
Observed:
12h27
